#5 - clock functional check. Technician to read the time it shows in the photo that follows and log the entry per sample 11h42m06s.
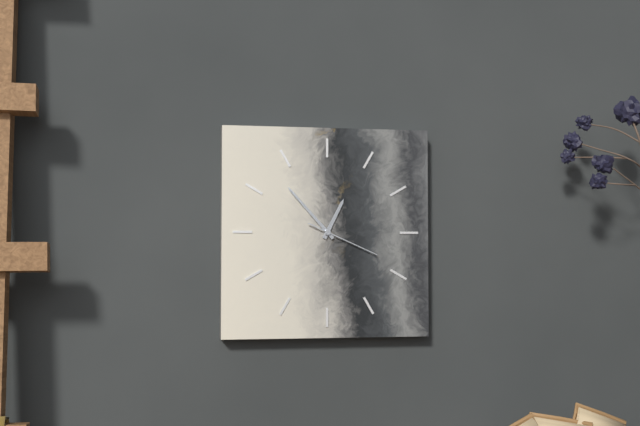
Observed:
12h53m19s
